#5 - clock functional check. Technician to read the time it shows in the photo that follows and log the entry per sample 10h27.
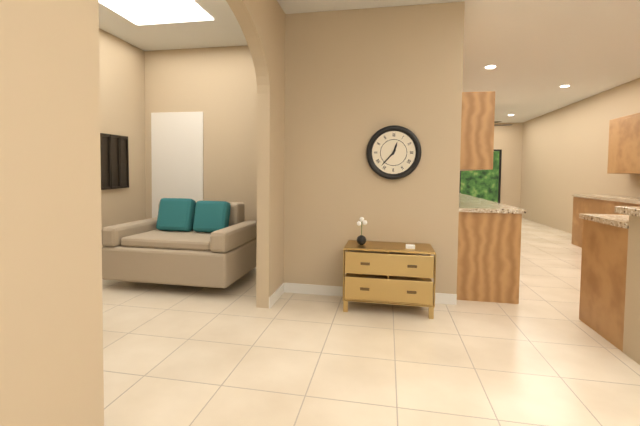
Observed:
12h37
